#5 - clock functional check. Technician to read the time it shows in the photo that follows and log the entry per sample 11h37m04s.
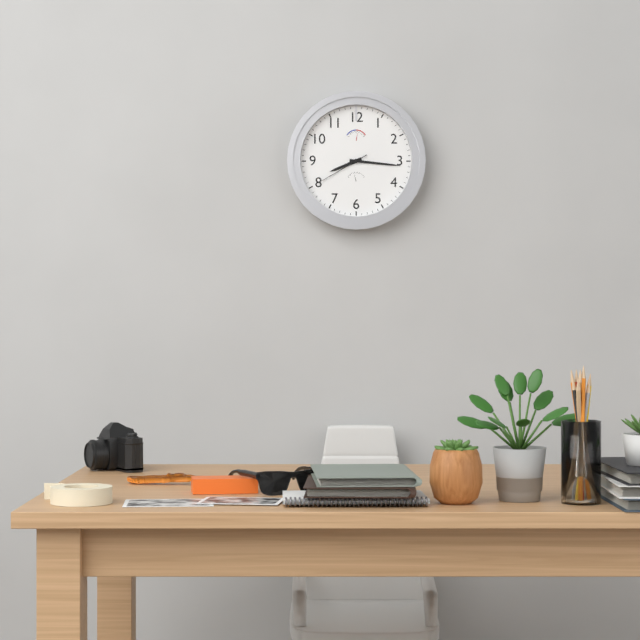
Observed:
8h16m40s
